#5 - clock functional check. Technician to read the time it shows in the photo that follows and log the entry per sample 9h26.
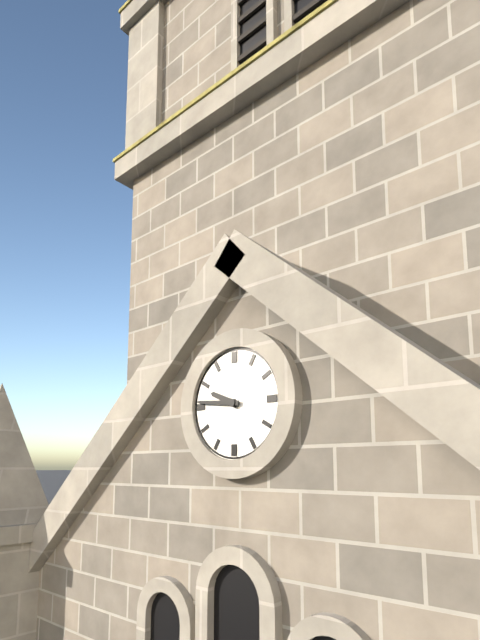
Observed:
9h46
